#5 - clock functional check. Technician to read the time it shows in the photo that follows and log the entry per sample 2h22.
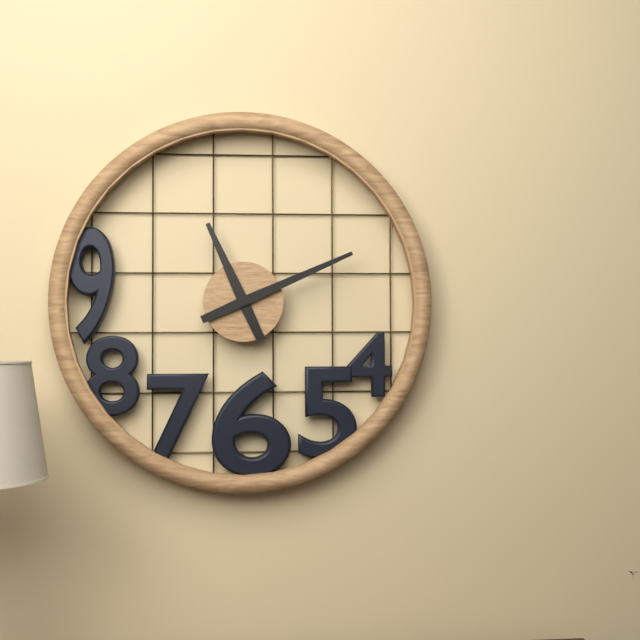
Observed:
11h11
